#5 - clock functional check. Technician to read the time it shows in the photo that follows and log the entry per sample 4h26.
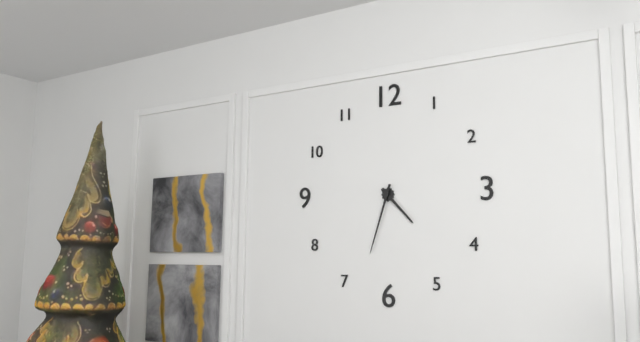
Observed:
4h33
